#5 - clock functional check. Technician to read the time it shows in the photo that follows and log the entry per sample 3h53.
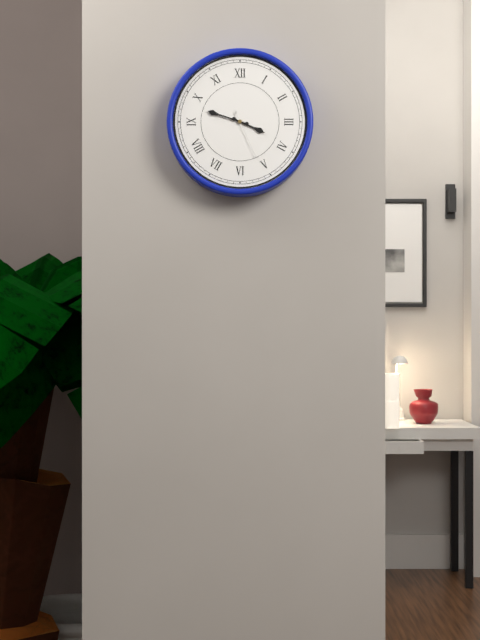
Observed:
3h48
